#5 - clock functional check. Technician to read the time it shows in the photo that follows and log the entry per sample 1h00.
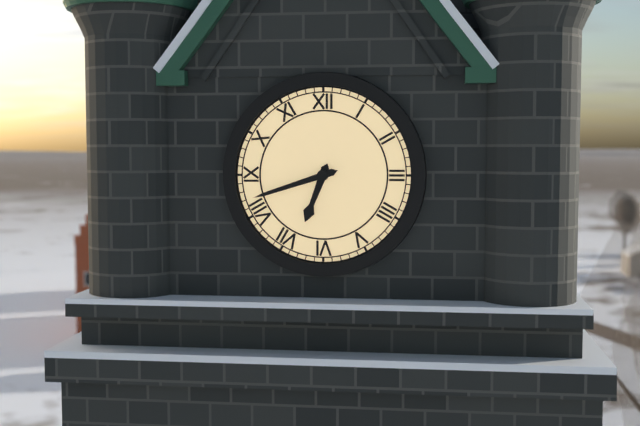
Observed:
6h42
